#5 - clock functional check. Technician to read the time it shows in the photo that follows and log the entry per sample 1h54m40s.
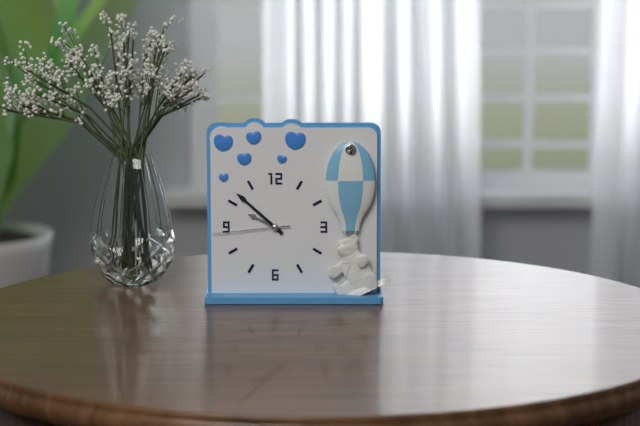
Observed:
9h52m44s
